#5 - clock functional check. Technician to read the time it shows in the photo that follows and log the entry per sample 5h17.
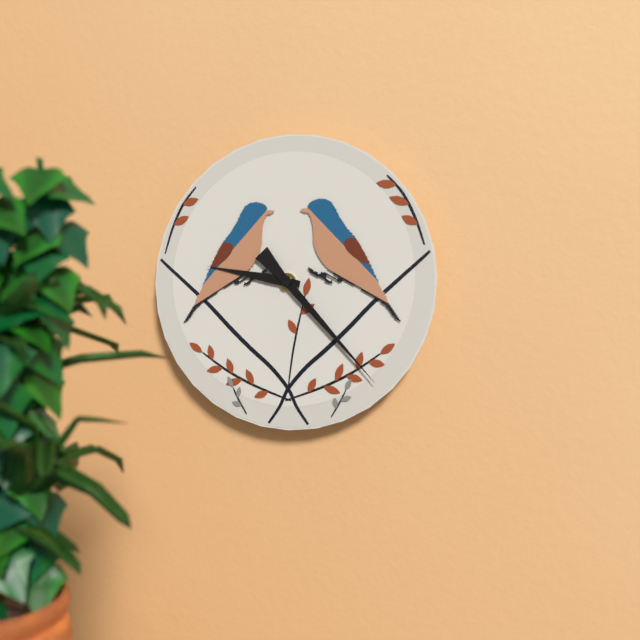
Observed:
9h23
